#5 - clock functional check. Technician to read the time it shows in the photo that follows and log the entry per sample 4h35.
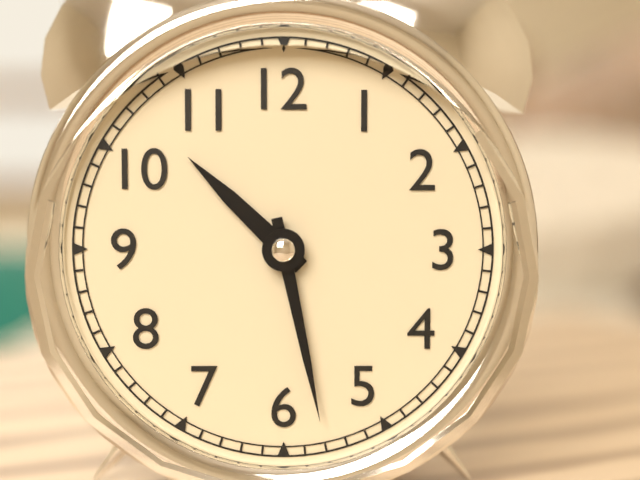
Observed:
10h28
